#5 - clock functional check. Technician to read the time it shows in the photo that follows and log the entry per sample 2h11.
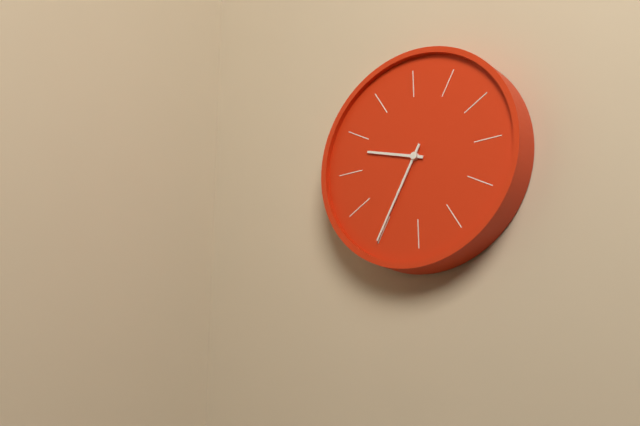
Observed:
9h35
